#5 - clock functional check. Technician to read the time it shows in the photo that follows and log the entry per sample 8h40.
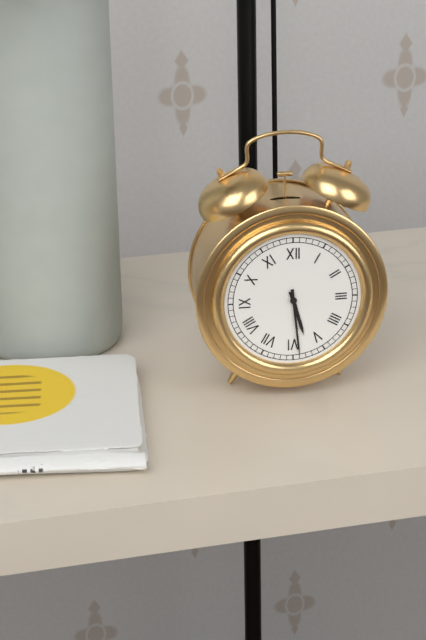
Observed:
5h29
